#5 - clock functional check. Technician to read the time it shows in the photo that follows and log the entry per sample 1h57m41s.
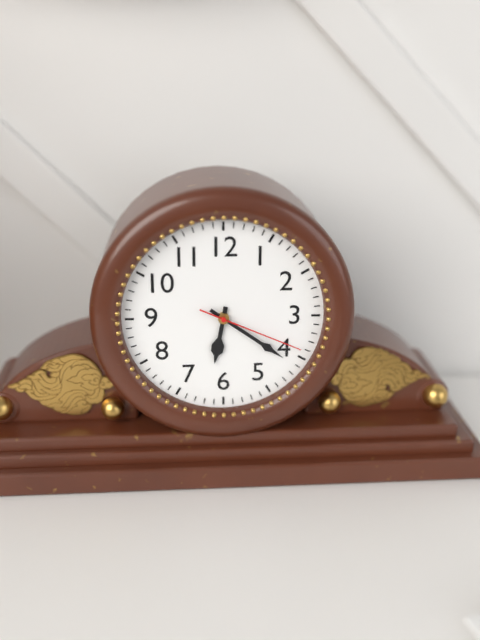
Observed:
6h21m19s
